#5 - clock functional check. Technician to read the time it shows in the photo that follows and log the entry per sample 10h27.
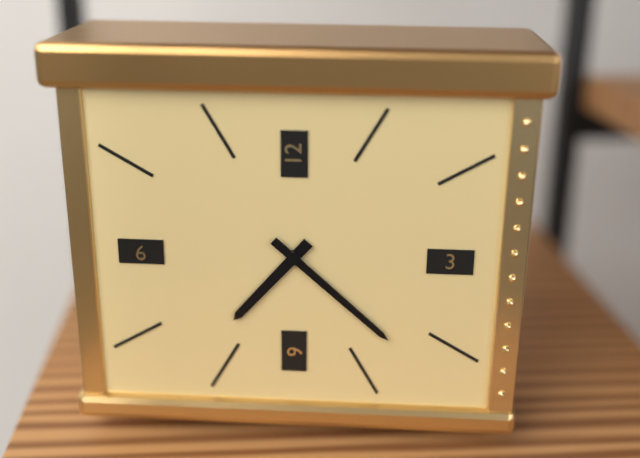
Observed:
7h22
